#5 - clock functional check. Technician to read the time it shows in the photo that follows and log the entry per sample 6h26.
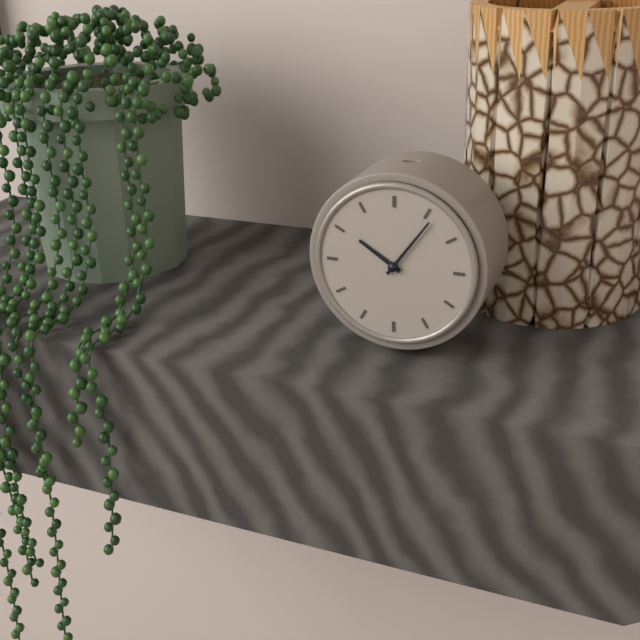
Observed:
10h06
